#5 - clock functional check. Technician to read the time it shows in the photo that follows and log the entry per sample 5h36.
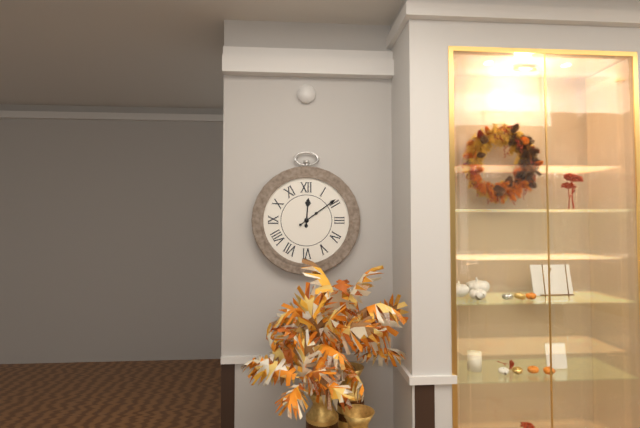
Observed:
12h09
